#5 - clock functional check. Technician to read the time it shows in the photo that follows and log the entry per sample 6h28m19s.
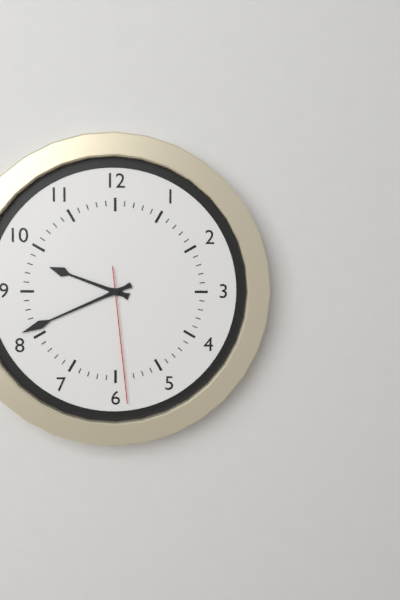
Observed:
9h41m29s
